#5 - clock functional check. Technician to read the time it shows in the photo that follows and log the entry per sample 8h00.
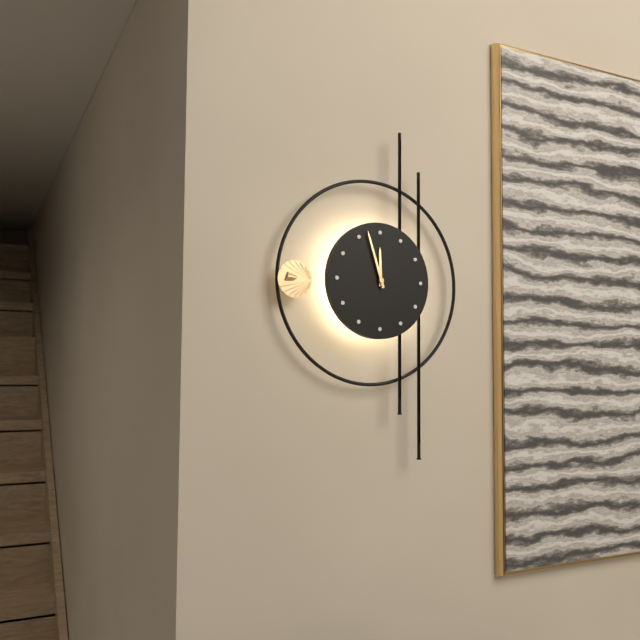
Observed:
11h57
